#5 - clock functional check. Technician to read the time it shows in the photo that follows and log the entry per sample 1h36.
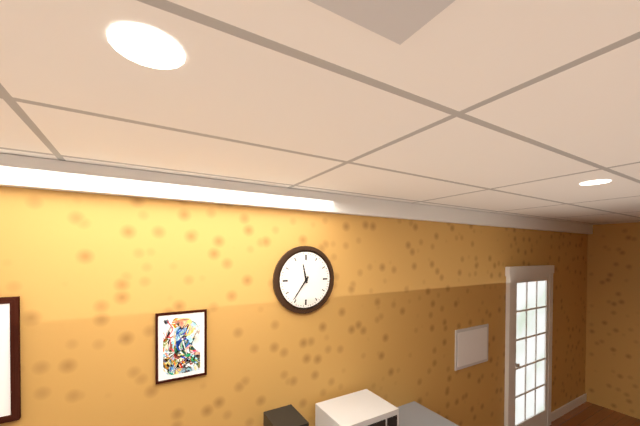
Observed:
11h36
